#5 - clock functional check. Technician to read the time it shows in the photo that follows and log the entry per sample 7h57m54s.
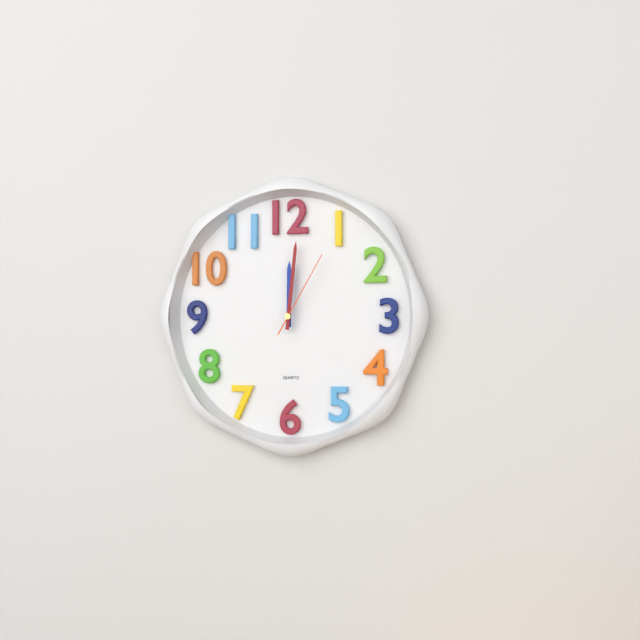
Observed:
12h01m05s
